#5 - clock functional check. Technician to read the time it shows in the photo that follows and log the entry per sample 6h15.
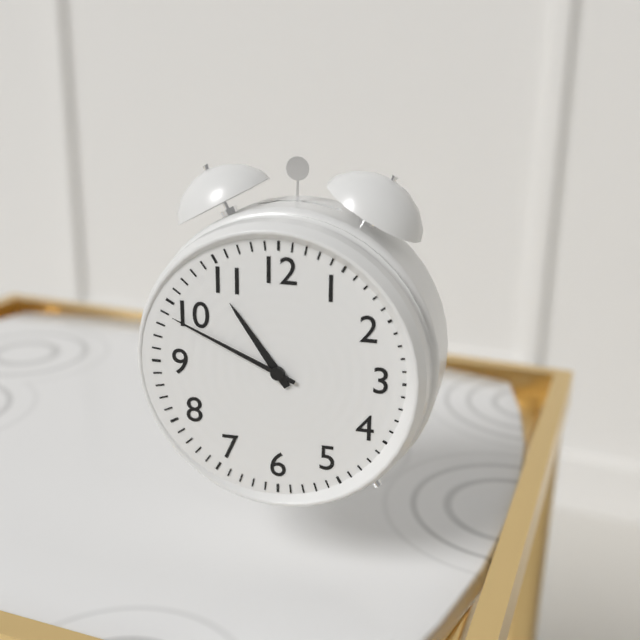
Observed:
10h49
